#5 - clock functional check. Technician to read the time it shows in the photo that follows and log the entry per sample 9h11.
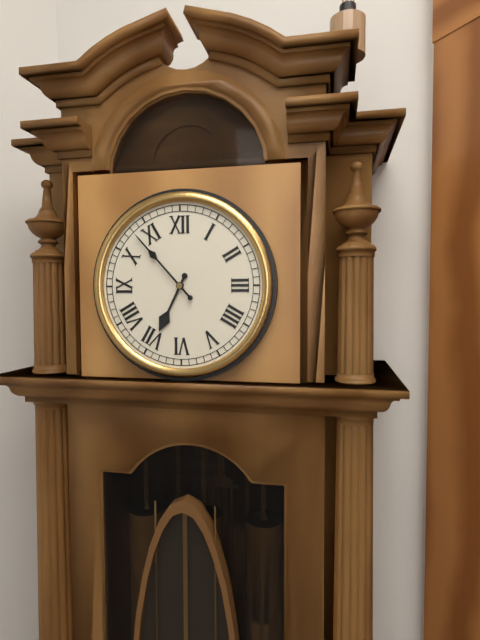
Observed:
6h53
